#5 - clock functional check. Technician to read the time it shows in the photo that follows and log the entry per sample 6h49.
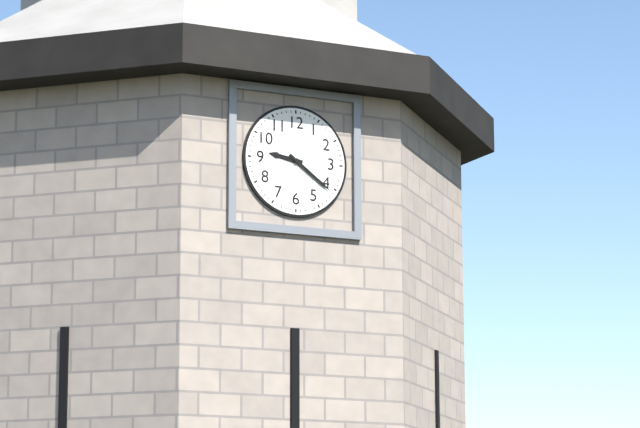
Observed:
9h21
